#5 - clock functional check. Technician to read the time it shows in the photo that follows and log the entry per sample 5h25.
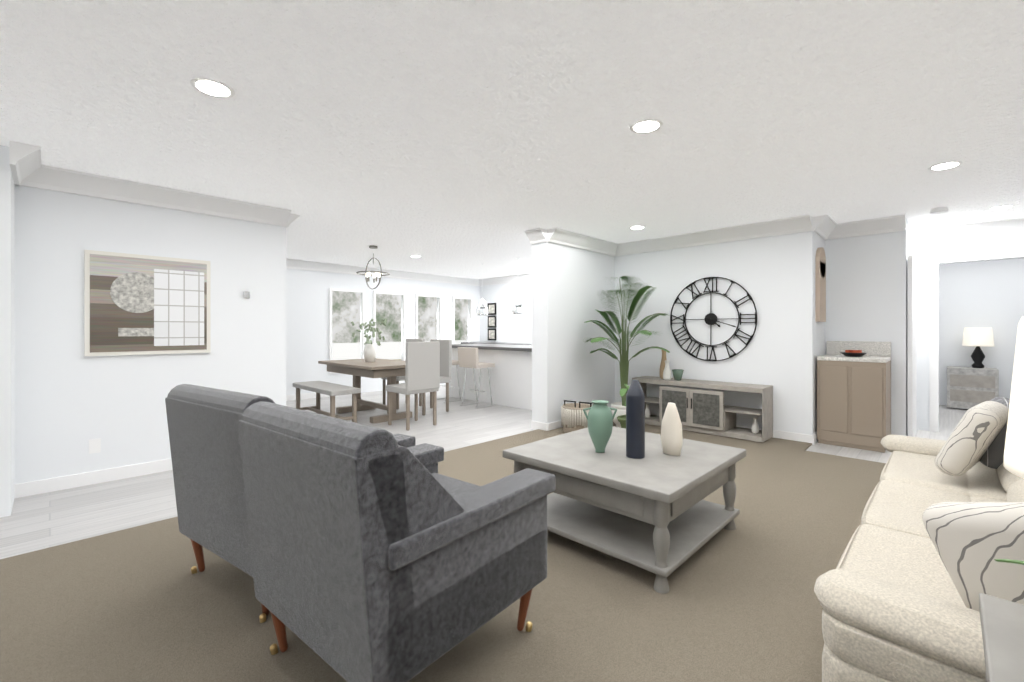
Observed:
4h18
